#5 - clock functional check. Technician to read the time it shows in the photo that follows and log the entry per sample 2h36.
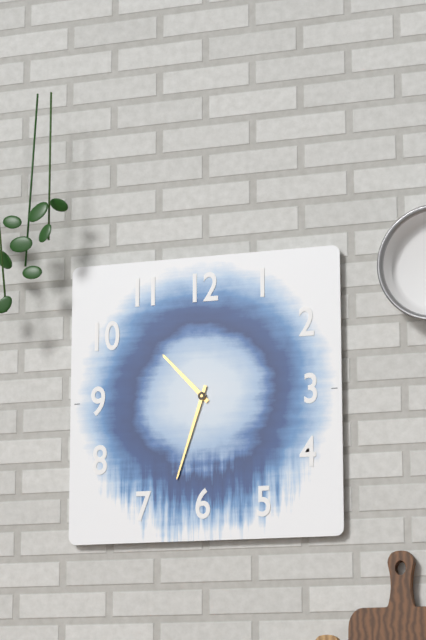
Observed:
10h33
